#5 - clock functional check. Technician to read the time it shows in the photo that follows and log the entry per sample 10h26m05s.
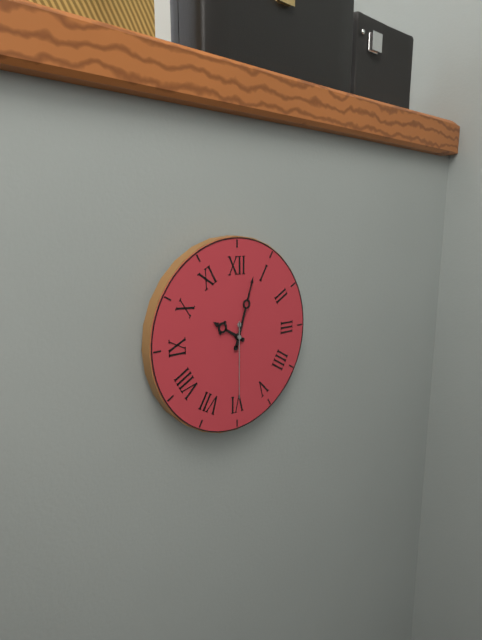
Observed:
10h03m30s
